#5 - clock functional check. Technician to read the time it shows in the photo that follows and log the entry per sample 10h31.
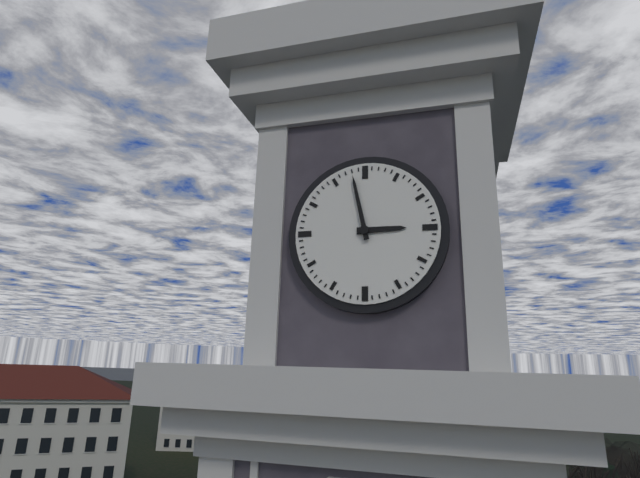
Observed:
2h58
